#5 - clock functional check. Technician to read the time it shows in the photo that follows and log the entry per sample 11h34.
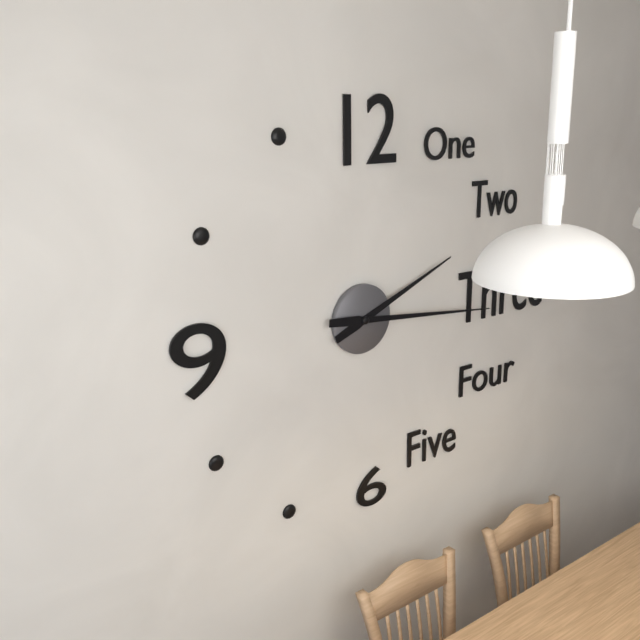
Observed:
2h16
